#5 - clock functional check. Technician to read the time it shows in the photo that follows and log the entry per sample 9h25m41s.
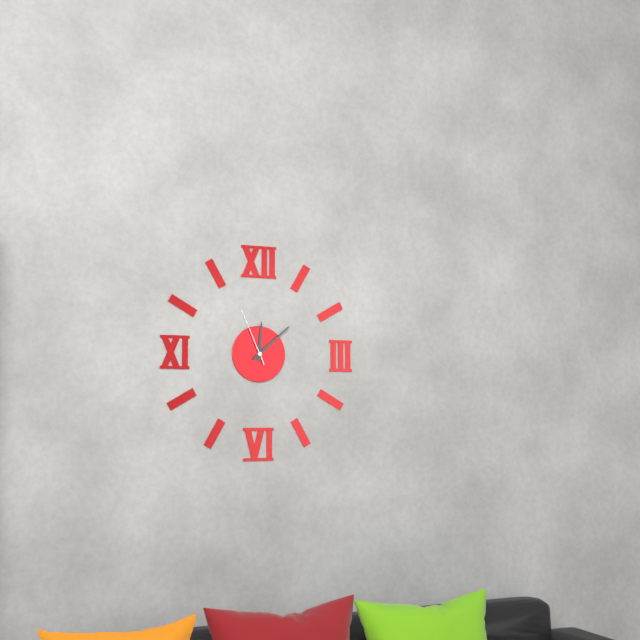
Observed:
12h08m56s
